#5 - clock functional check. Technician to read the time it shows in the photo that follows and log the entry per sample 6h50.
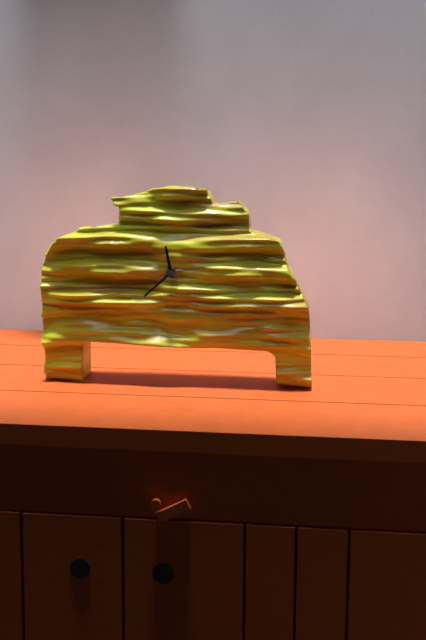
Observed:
11h38
